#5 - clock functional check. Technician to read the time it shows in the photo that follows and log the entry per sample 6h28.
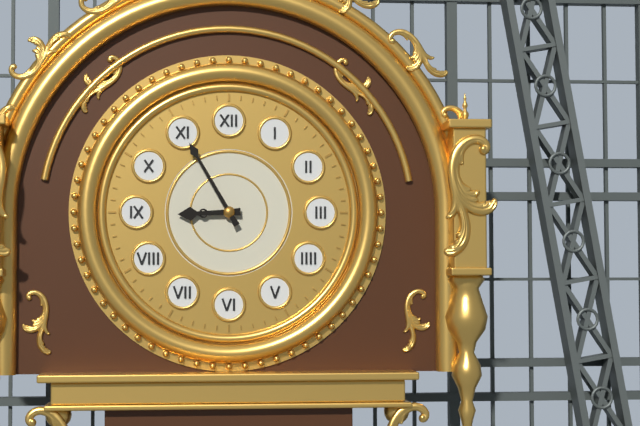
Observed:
8h55
